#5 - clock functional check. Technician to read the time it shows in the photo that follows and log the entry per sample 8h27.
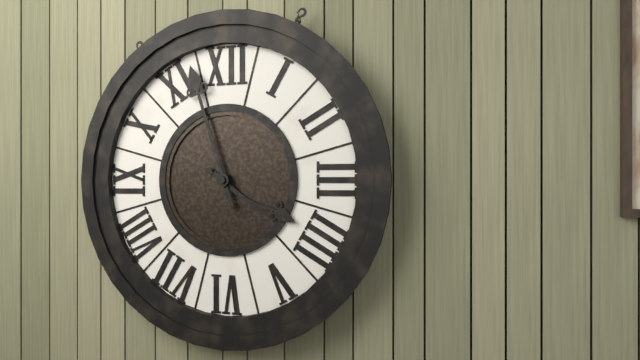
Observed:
3h57
